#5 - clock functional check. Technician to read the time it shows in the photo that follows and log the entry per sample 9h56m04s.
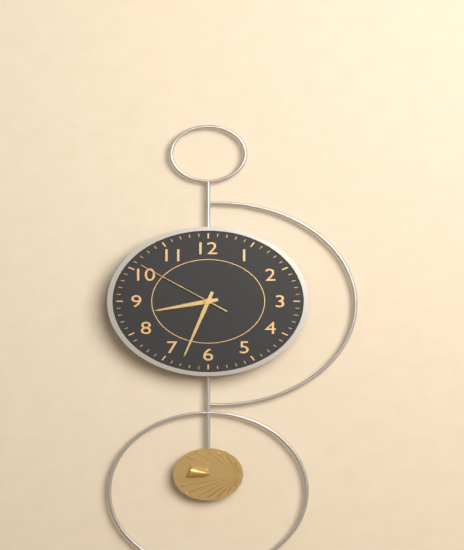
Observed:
8h33m51s
